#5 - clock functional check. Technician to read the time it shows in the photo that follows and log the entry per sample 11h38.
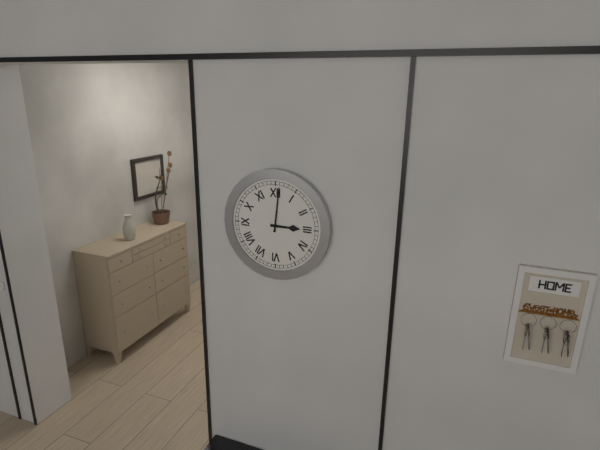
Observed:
3h01
